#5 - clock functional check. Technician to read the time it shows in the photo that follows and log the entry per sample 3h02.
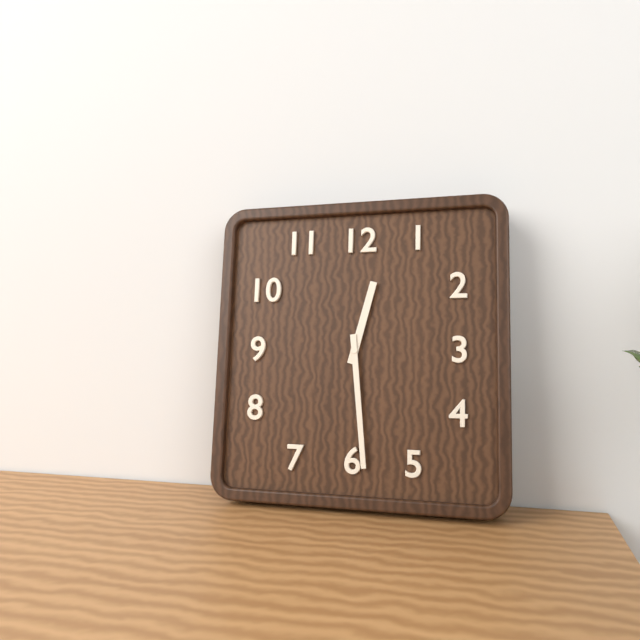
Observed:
12h29
